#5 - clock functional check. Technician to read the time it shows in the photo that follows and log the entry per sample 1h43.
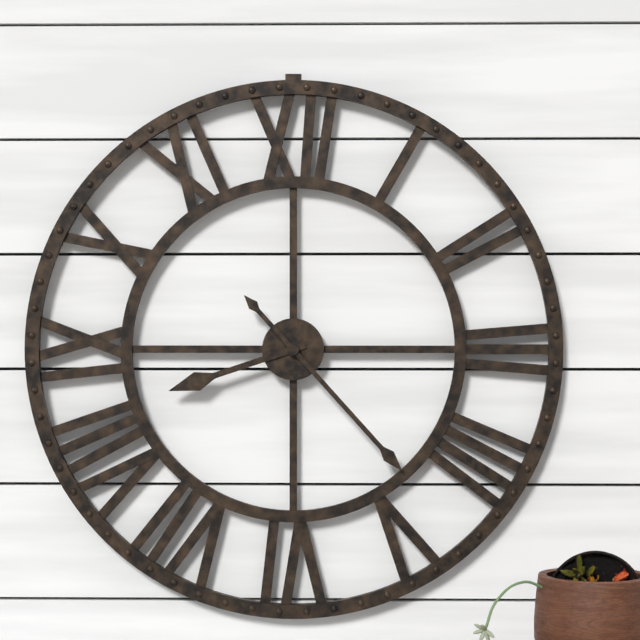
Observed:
8h23
